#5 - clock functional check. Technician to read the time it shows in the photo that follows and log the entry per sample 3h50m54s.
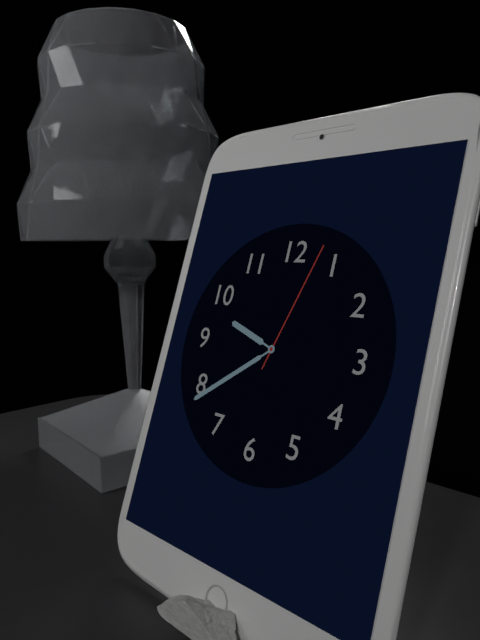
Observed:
9h39m03s
